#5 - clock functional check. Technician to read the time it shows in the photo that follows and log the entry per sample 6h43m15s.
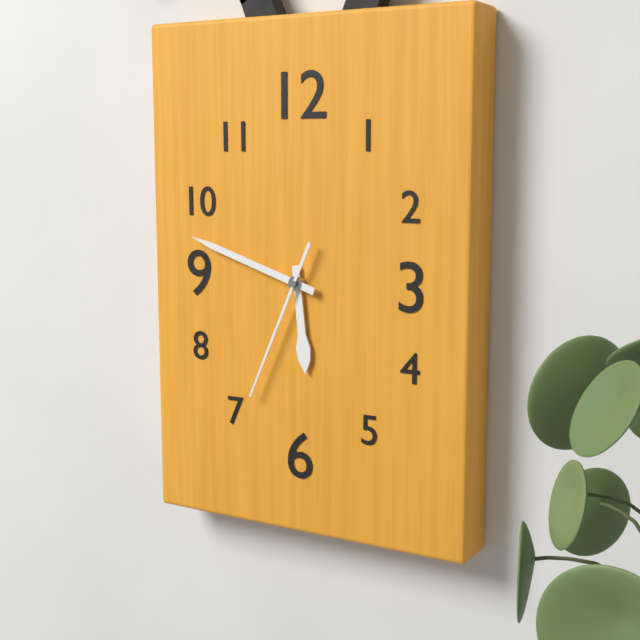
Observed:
5h48m34s
